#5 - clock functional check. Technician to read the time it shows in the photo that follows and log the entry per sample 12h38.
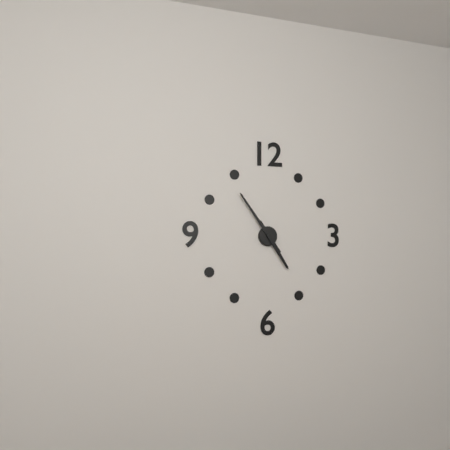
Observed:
4h54
